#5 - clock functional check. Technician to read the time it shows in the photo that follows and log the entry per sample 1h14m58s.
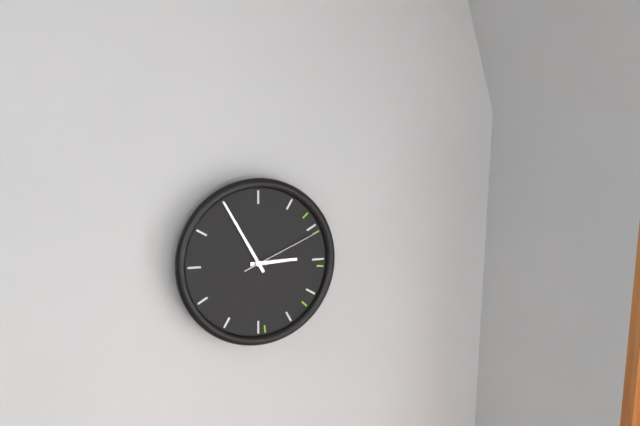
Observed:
2h55m11s
